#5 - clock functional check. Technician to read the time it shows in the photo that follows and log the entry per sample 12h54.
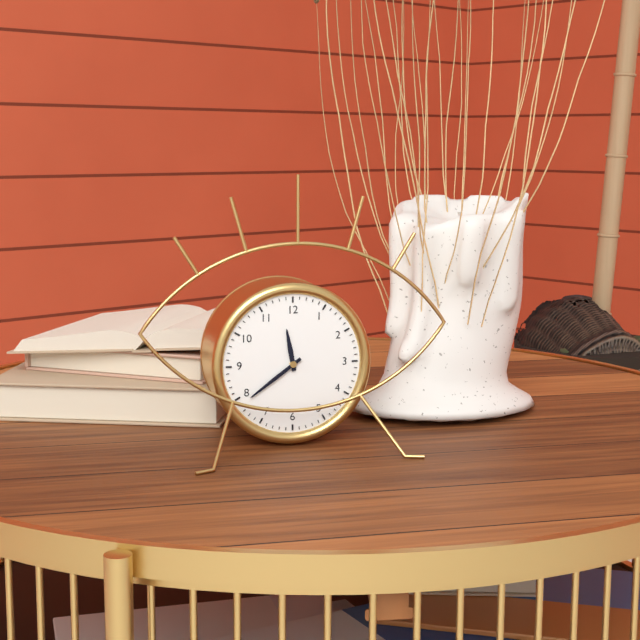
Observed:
11h39
